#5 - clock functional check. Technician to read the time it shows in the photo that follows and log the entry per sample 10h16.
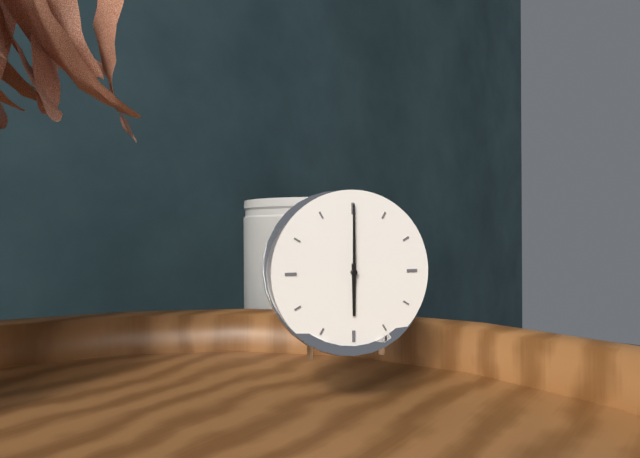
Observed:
6h00
